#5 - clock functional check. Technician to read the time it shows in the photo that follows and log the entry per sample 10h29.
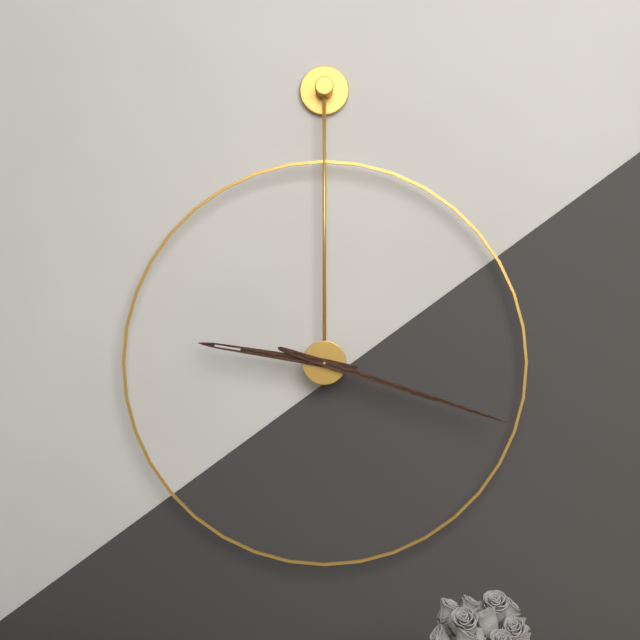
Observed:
9h18
